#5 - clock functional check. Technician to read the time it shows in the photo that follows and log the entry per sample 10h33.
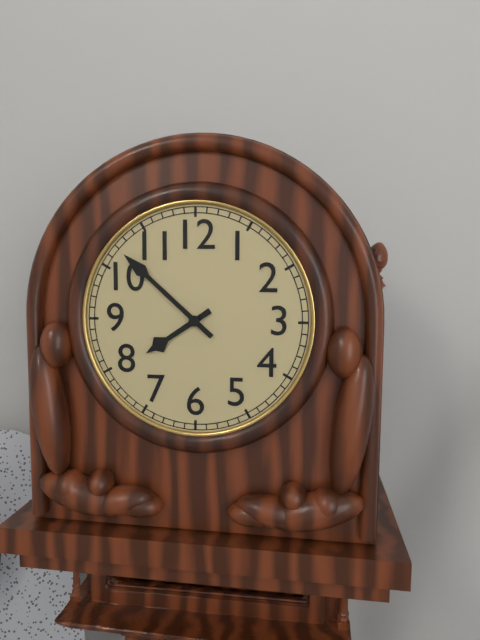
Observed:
7h52
